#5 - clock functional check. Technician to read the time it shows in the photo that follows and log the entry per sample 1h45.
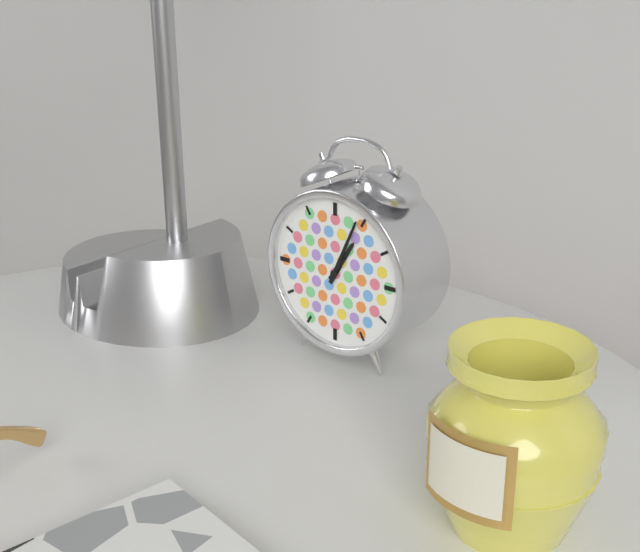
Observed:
1h04
